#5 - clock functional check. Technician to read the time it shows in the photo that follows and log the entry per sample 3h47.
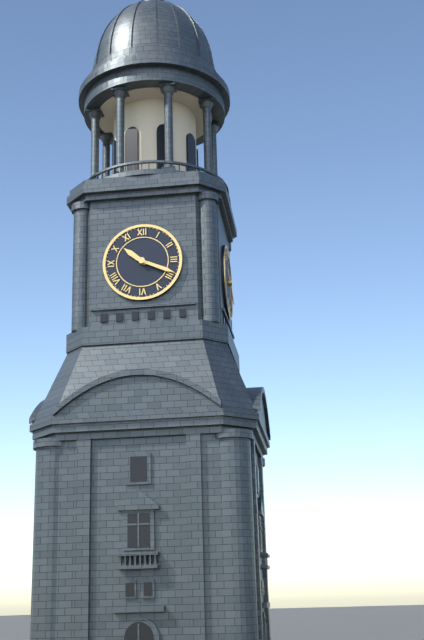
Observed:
10h19
